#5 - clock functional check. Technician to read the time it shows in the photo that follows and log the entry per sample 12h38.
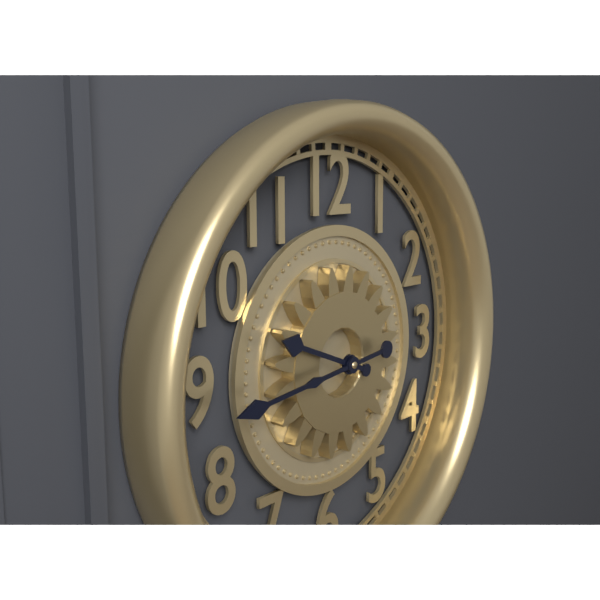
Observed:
9h44
